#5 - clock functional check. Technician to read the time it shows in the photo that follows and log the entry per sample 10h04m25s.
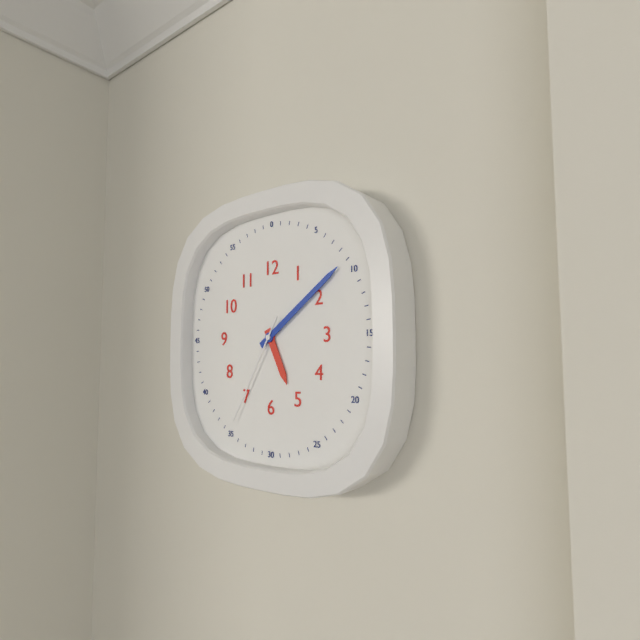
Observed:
5h09m35s
